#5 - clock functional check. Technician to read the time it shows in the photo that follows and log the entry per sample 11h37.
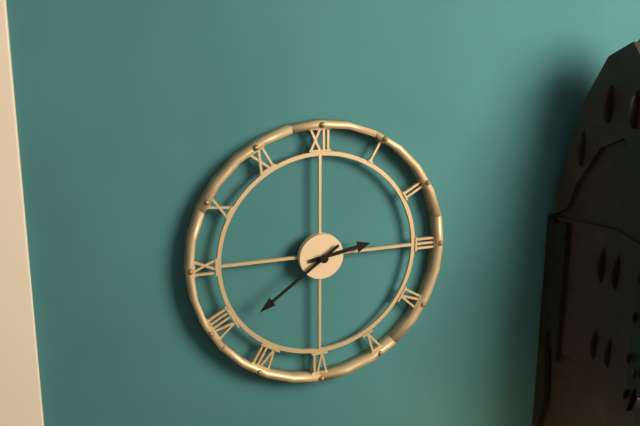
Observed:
2h39
